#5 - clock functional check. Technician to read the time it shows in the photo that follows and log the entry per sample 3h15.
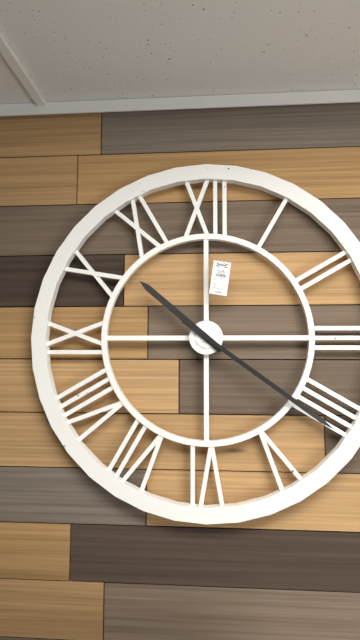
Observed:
10h21
